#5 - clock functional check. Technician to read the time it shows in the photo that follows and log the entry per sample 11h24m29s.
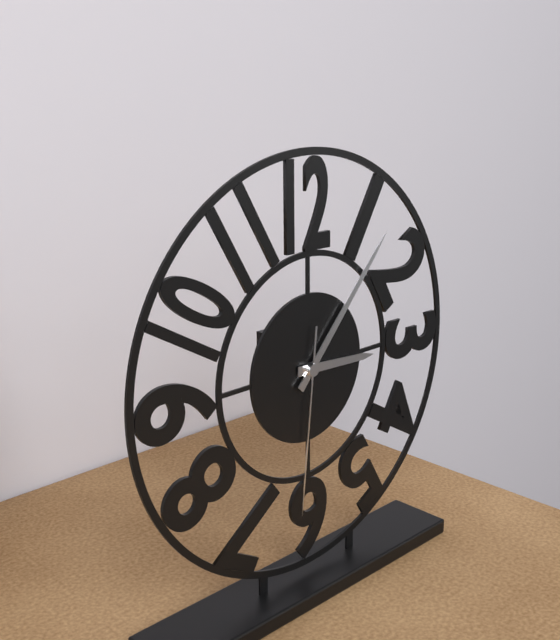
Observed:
3h07m31s
